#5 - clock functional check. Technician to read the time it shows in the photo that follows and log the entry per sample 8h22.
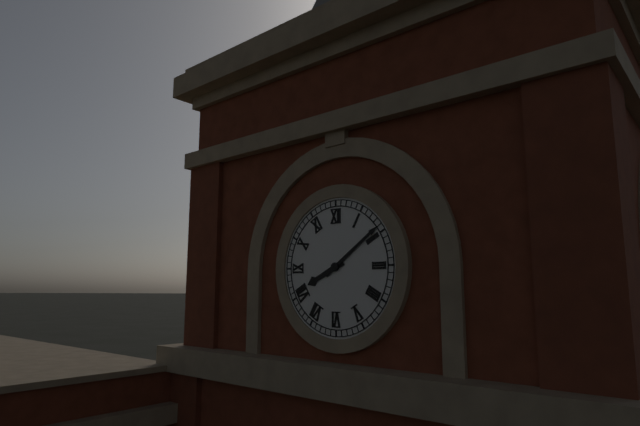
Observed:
8h09
